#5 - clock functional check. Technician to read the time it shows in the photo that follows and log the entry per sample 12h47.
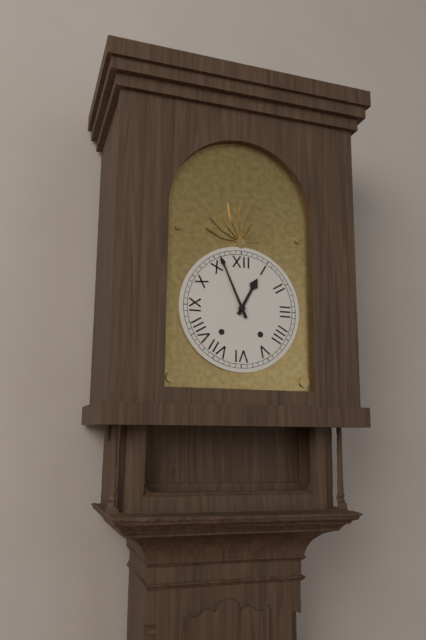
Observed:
12h56
